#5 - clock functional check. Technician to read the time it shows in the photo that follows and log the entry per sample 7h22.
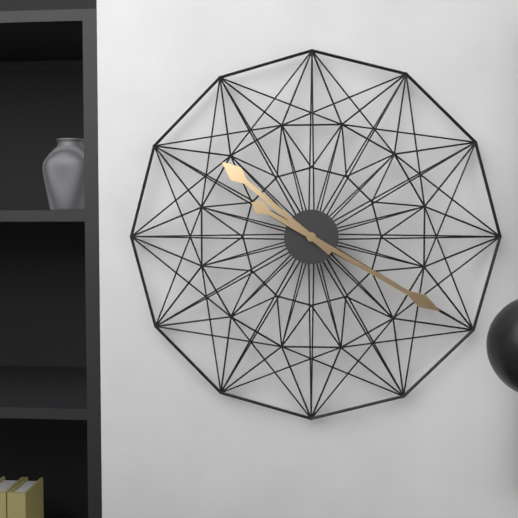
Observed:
10h20
